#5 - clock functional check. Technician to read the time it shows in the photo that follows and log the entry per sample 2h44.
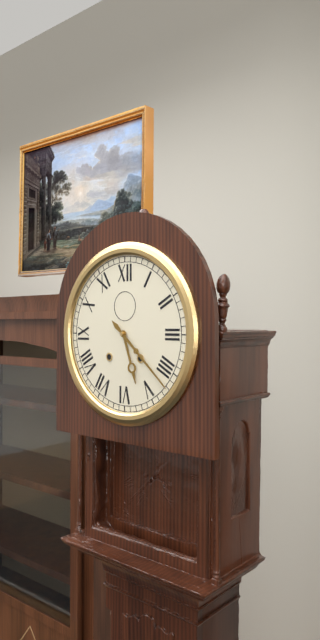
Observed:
5h22
